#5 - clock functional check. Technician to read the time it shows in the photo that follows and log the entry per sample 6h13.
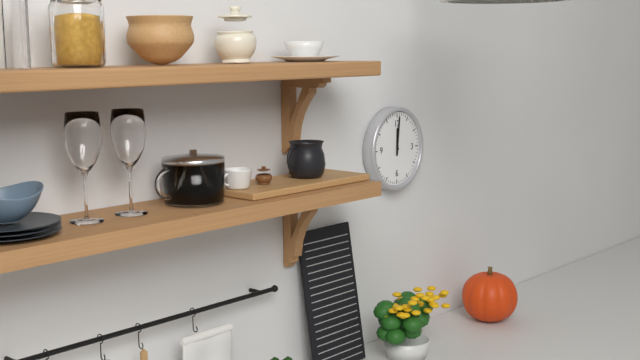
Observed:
12h01
